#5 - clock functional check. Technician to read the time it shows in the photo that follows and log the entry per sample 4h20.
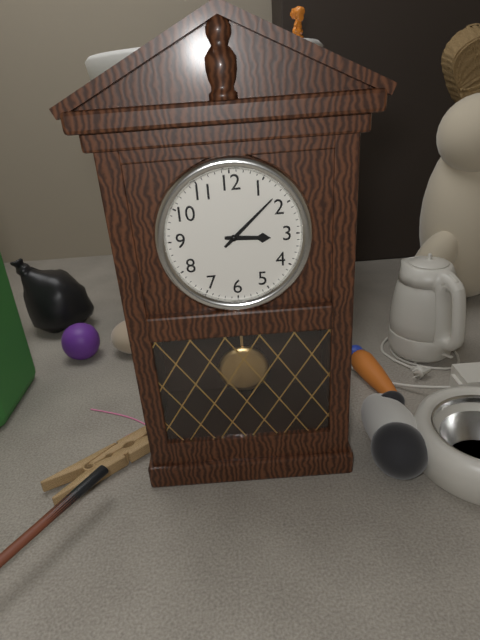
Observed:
3h08
